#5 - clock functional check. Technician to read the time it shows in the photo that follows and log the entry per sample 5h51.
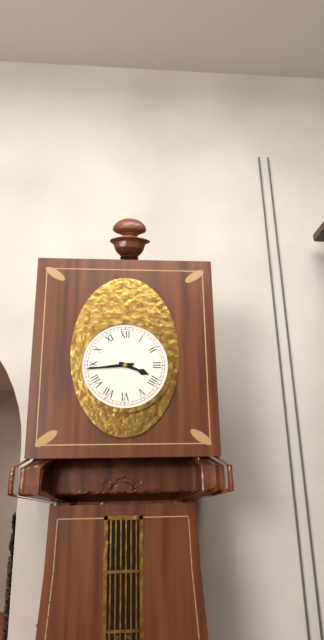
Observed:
3h44
